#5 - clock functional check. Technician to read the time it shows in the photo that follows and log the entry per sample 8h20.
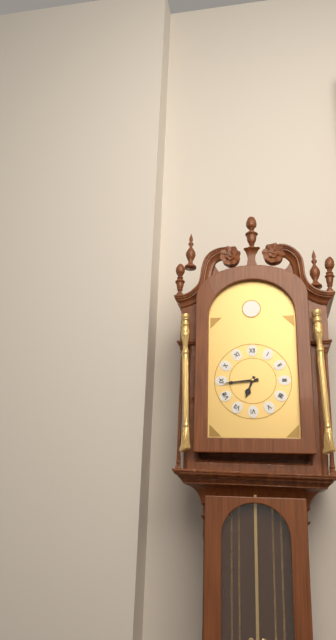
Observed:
6h44
